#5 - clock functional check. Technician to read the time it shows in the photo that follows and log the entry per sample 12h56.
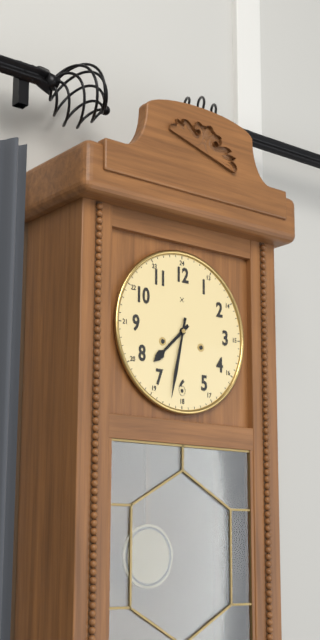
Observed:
7h32
